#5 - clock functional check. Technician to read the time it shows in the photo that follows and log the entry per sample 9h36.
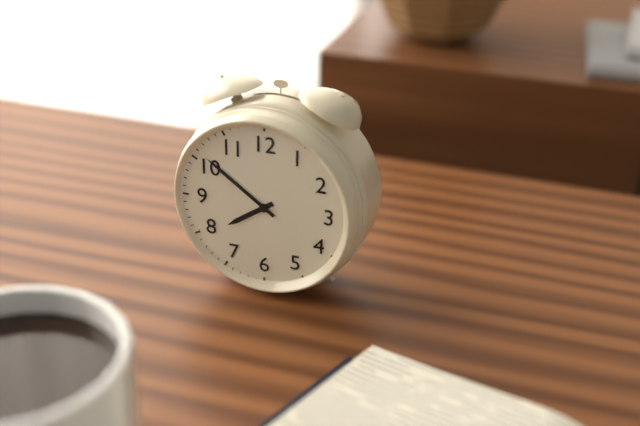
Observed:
7h51
